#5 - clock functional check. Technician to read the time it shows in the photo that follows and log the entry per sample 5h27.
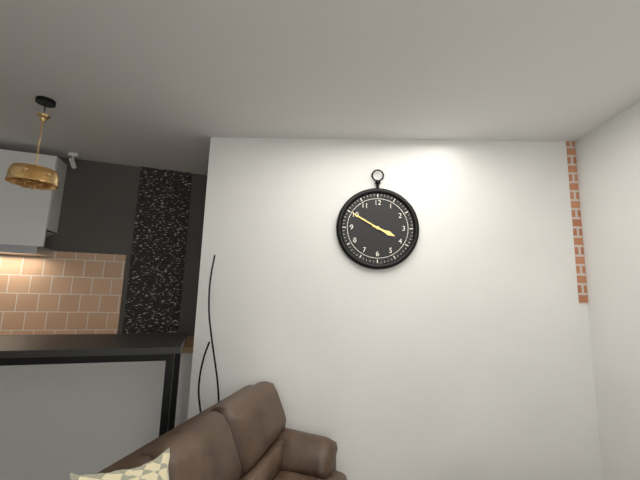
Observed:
3h50
